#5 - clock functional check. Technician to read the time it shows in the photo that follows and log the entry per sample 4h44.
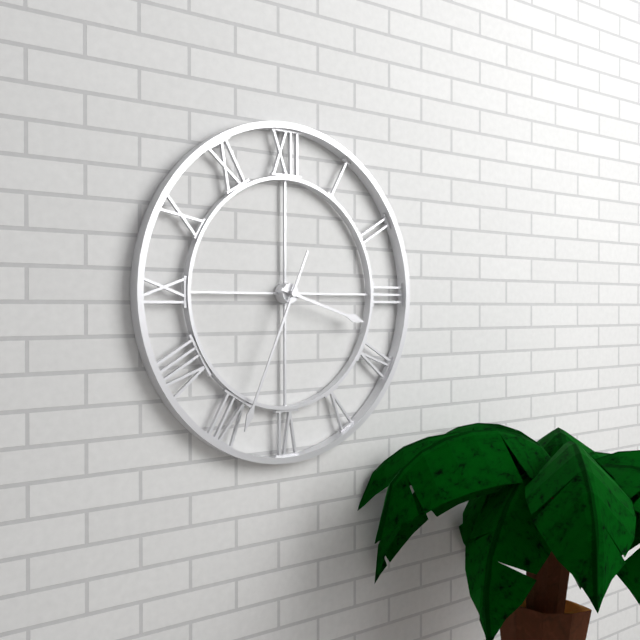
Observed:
3h34
